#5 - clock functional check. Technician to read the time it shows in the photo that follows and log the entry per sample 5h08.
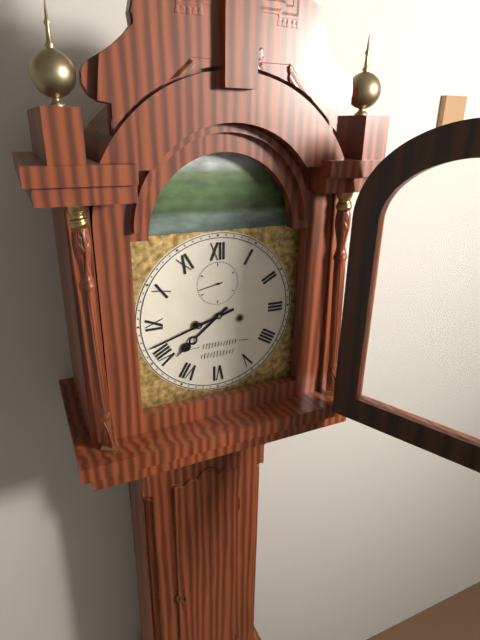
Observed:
7h42
